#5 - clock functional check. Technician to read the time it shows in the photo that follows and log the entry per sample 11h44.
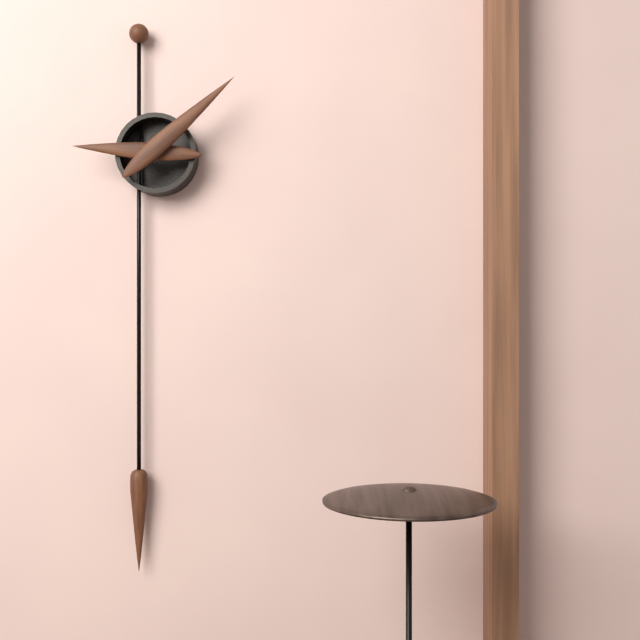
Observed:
9h08
